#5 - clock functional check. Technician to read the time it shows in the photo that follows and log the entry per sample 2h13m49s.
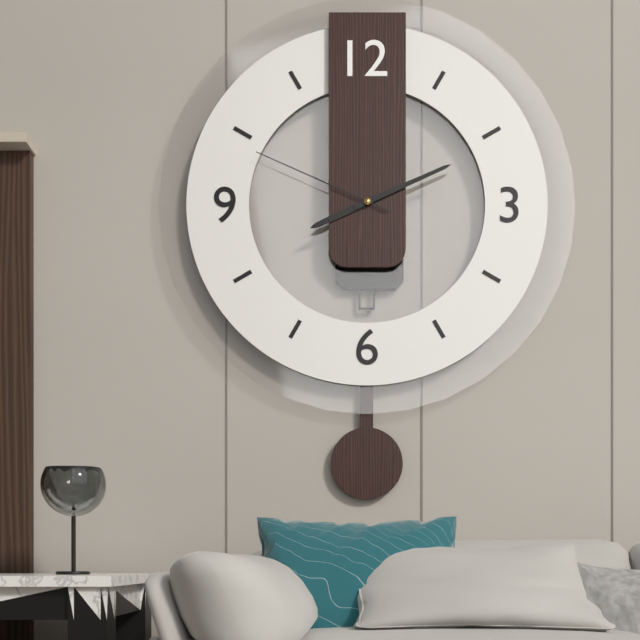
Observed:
8h11m49s
